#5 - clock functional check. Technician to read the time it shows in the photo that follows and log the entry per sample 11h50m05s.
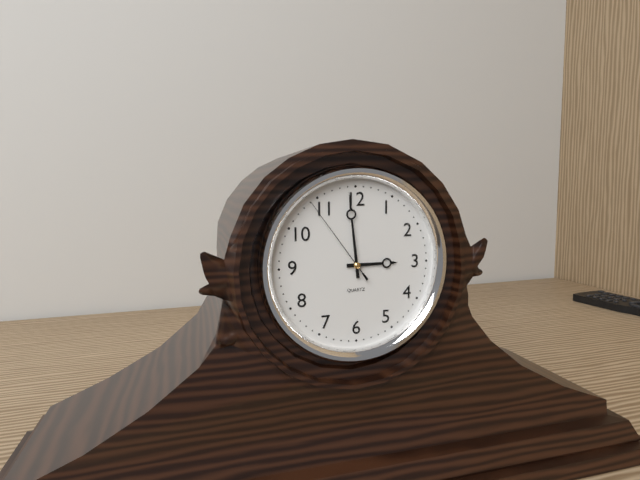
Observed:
2h59m54s
